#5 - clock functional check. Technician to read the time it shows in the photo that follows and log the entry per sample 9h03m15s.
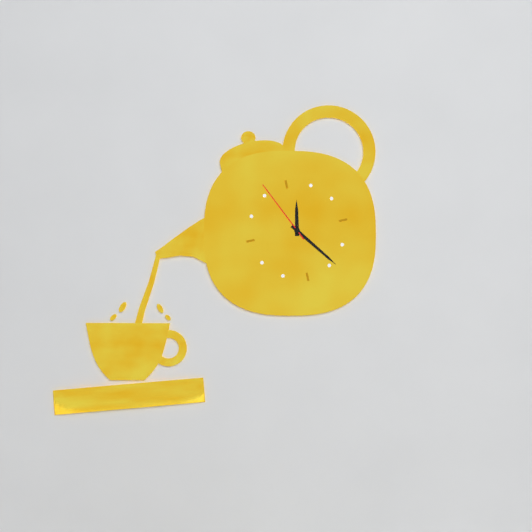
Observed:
12h24m56s
